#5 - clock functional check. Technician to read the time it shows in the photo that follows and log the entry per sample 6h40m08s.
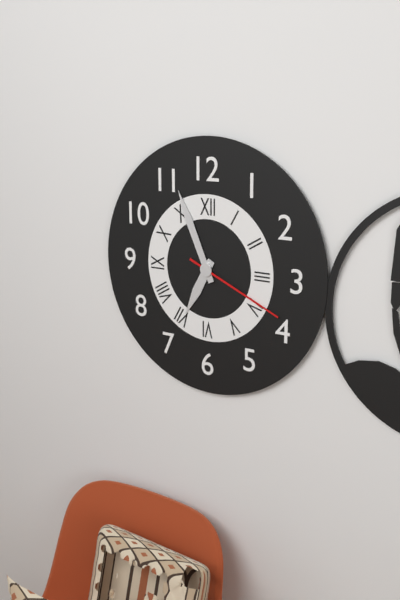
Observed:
6h56m19s
